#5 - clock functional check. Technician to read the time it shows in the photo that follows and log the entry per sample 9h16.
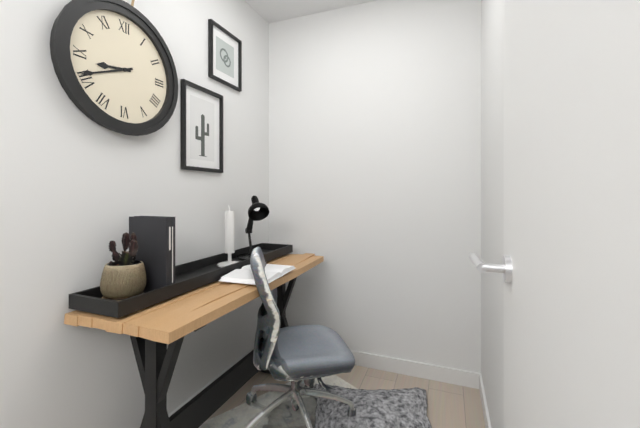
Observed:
8h41
